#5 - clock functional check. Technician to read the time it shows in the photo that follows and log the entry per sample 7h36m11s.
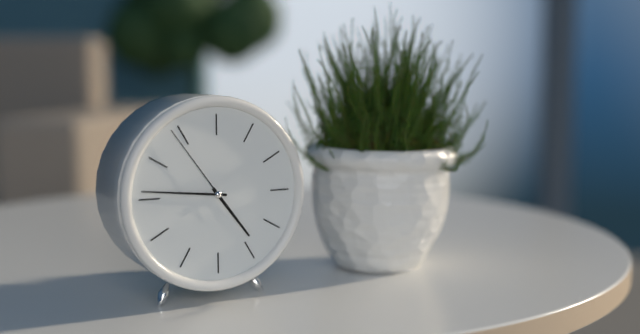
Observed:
4h46m54s
